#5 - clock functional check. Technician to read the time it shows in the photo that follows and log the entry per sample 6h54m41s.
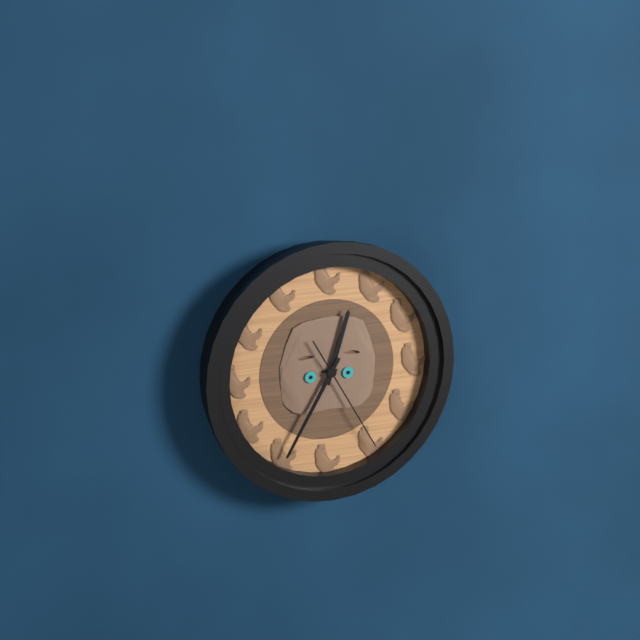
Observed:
12h35m25s
